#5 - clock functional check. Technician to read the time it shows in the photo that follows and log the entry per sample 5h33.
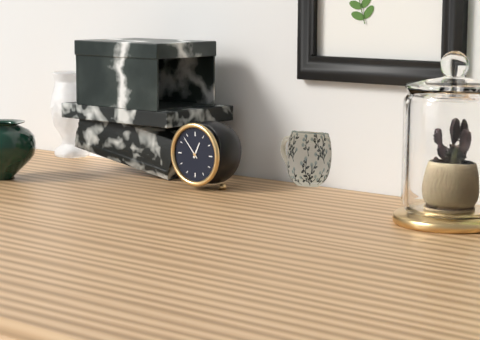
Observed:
12h53
